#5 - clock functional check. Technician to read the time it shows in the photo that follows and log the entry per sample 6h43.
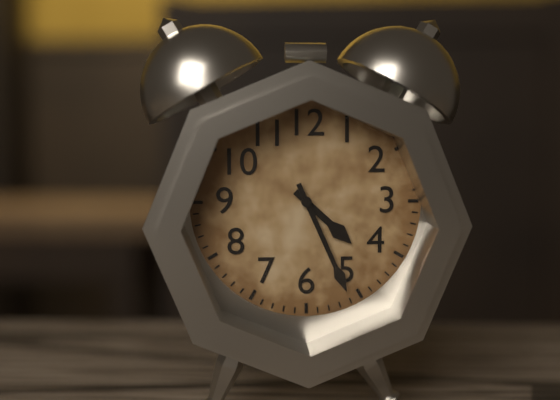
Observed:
4h26
